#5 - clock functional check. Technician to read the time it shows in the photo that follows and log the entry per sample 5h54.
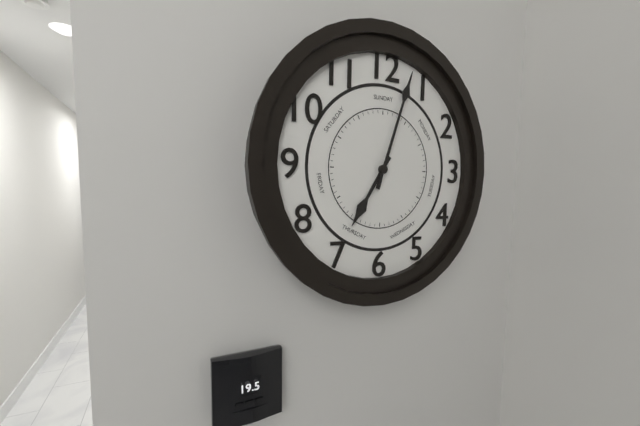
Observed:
7h03
